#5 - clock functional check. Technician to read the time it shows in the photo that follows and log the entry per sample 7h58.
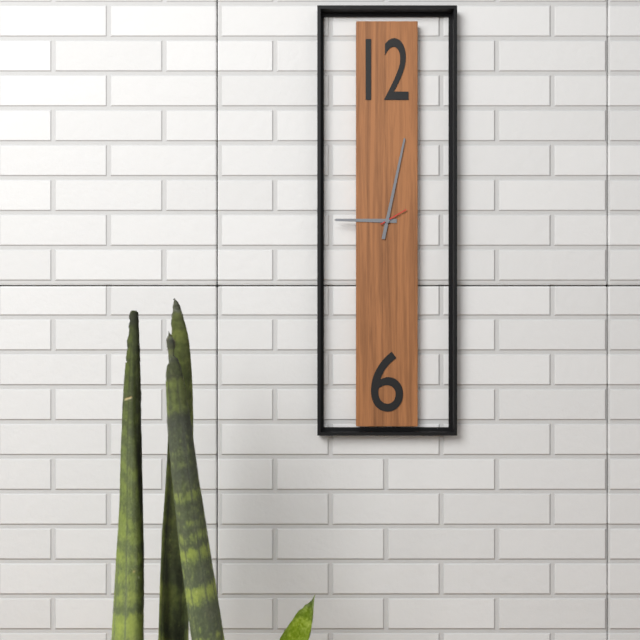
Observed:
9h02
